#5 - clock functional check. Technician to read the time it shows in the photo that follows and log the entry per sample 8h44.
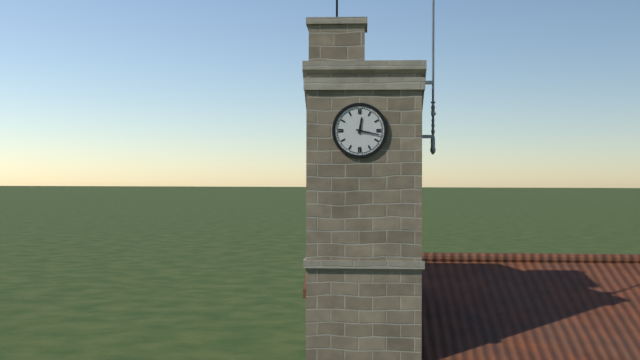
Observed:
12h17
